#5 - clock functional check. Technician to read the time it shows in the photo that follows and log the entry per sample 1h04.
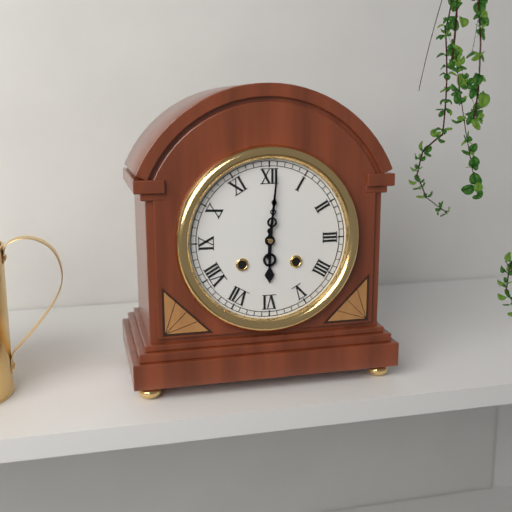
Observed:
6h01
